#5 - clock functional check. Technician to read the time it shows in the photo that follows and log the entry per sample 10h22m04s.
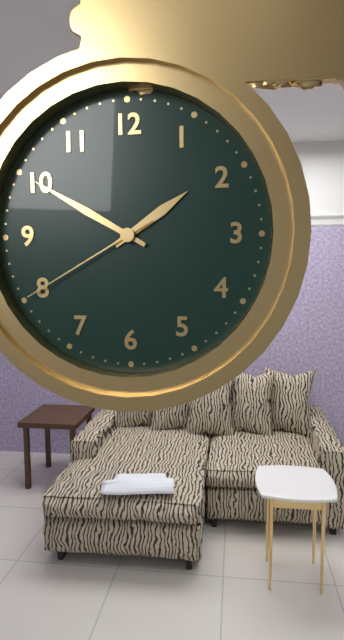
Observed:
1h50m40s
